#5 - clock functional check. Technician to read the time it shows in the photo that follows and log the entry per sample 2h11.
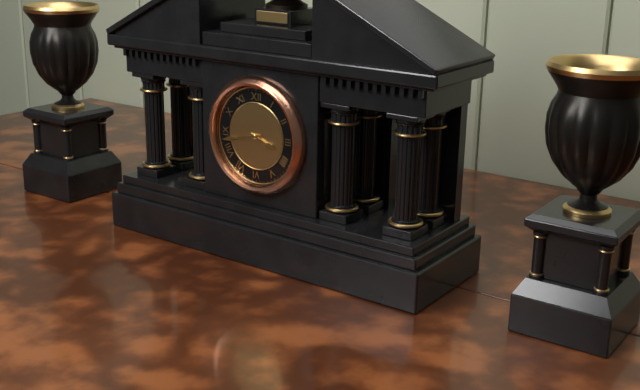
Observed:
3h43
